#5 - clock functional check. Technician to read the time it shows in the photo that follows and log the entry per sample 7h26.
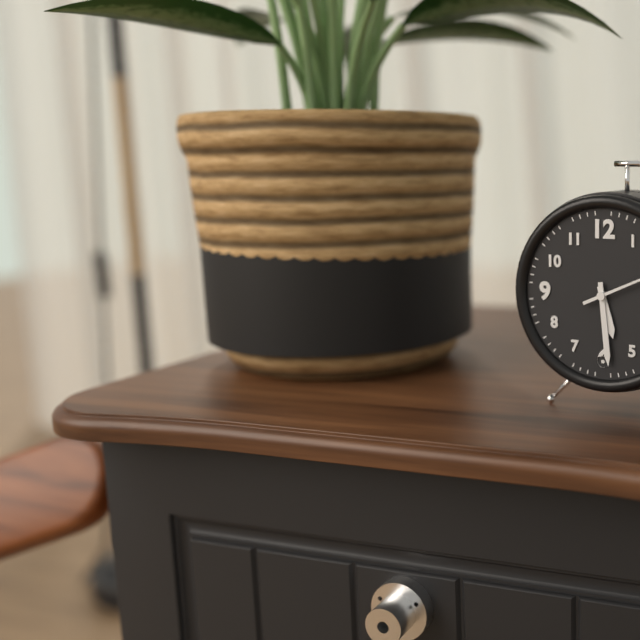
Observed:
5h29
